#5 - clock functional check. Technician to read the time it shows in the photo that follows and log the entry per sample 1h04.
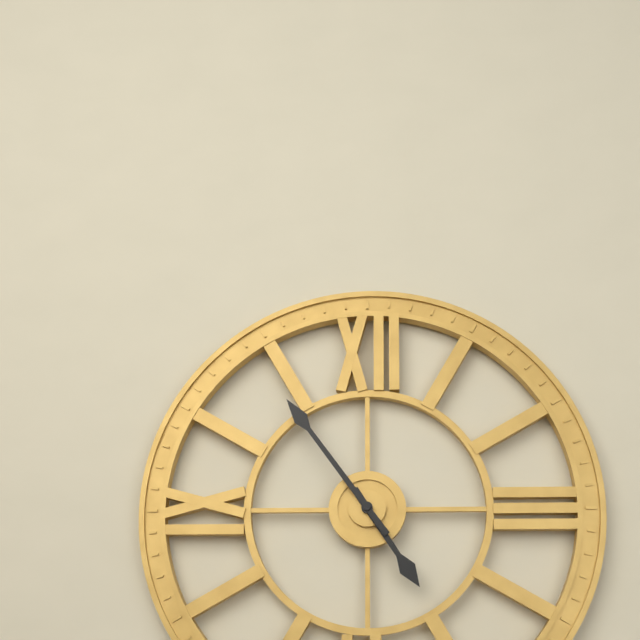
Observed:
4h54
